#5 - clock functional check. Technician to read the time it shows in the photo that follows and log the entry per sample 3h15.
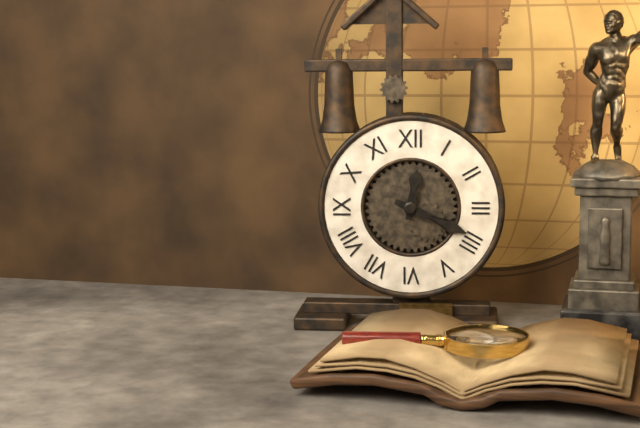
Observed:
12h19
